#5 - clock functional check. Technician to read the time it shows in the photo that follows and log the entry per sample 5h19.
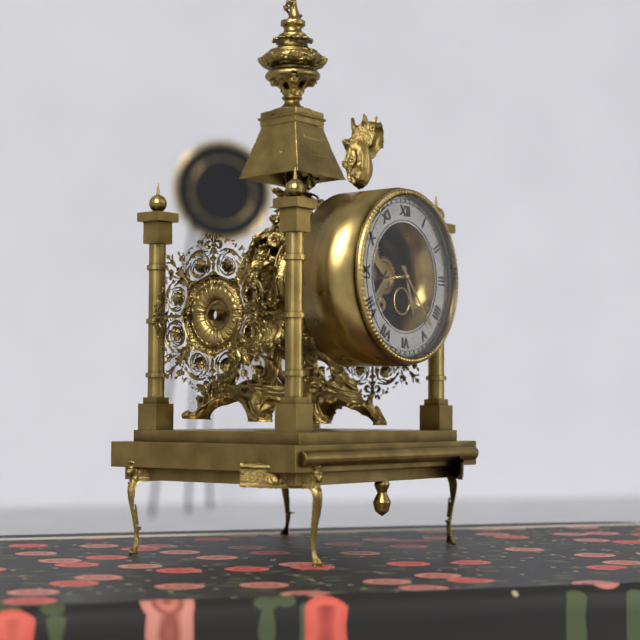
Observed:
5h23
